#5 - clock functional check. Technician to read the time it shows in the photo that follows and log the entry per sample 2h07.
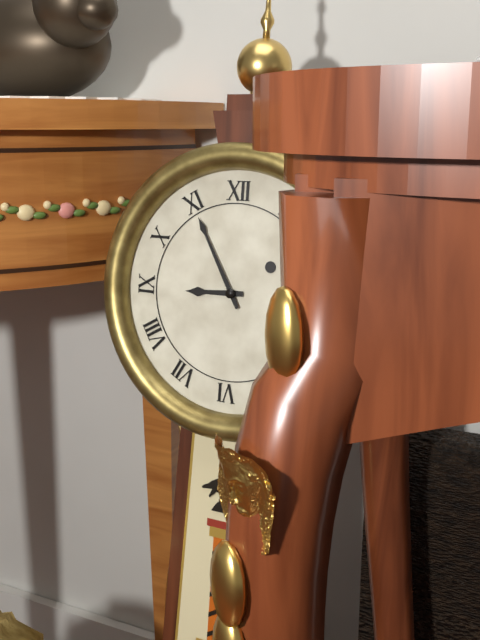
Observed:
8h55
